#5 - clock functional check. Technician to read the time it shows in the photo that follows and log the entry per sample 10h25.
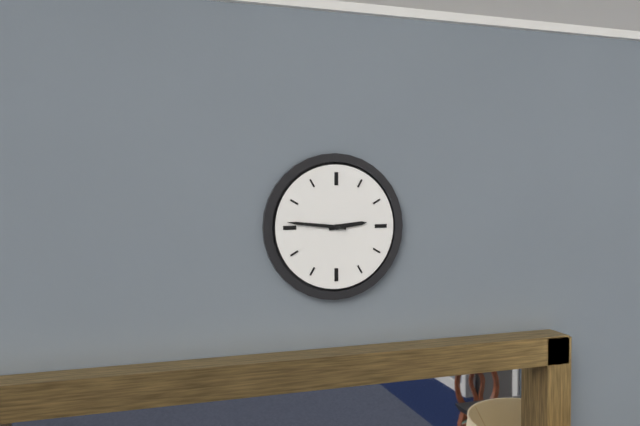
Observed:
2h46
